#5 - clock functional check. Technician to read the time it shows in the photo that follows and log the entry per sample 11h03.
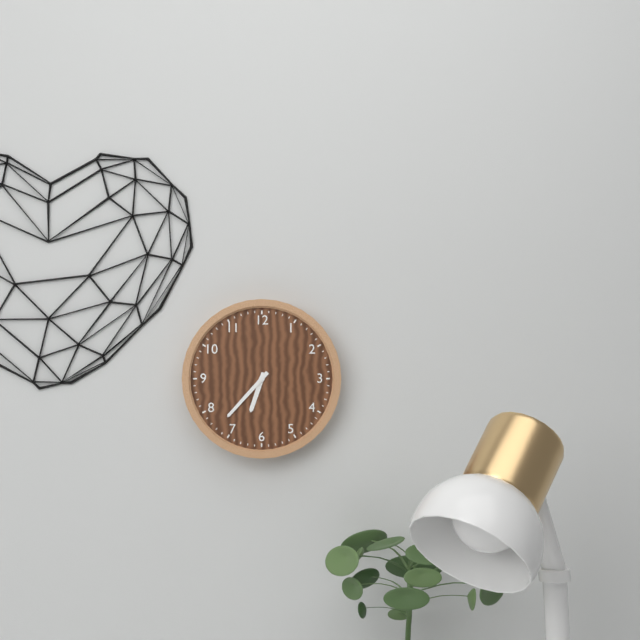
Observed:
6h37
